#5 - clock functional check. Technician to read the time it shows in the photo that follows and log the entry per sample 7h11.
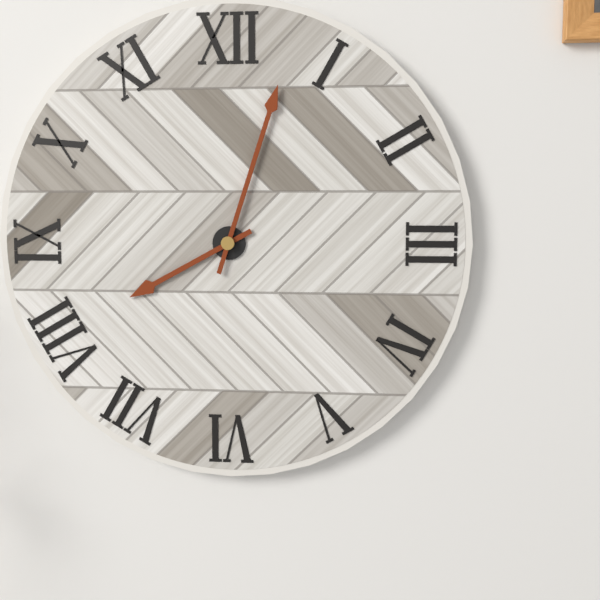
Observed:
8h03
